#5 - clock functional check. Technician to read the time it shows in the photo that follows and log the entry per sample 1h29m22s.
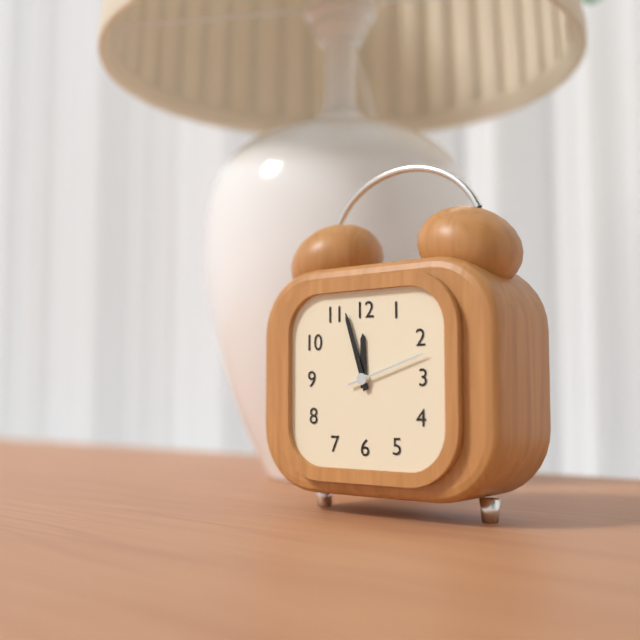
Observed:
11h57m12s
